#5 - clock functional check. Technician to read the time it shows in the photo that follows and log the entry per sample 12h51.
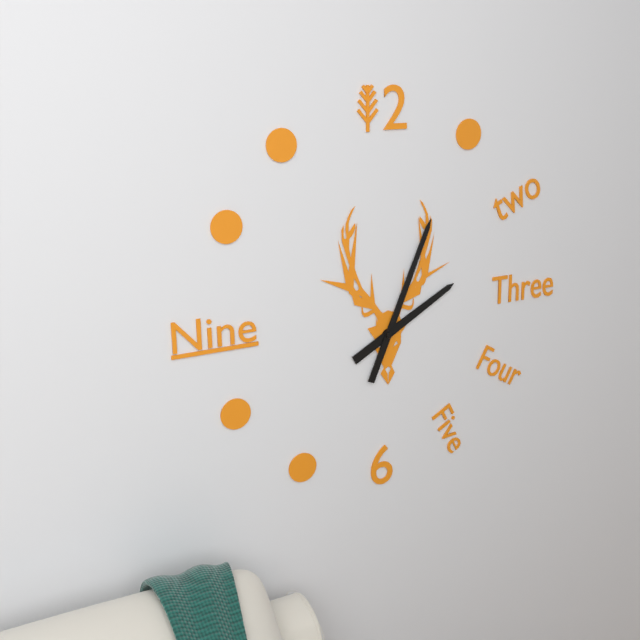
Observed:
2h04
